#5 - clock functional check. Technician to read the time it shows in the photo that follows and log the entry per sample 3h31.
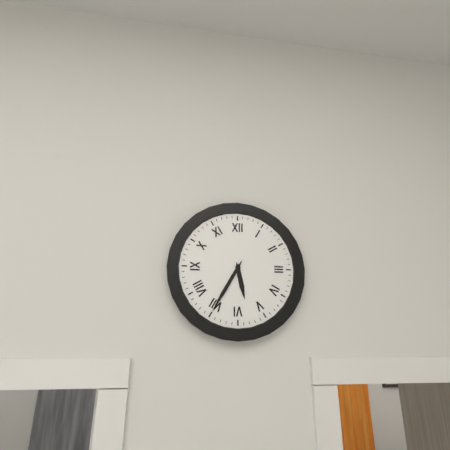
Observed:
5h35
